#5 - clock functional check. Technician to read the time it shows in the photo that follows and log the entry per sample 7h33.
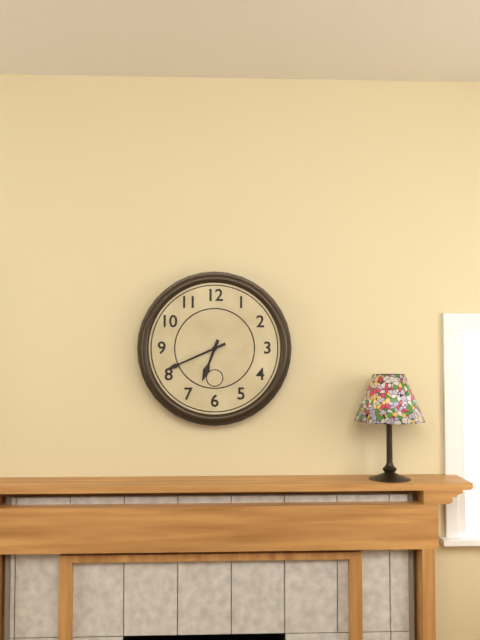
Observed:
6h41
